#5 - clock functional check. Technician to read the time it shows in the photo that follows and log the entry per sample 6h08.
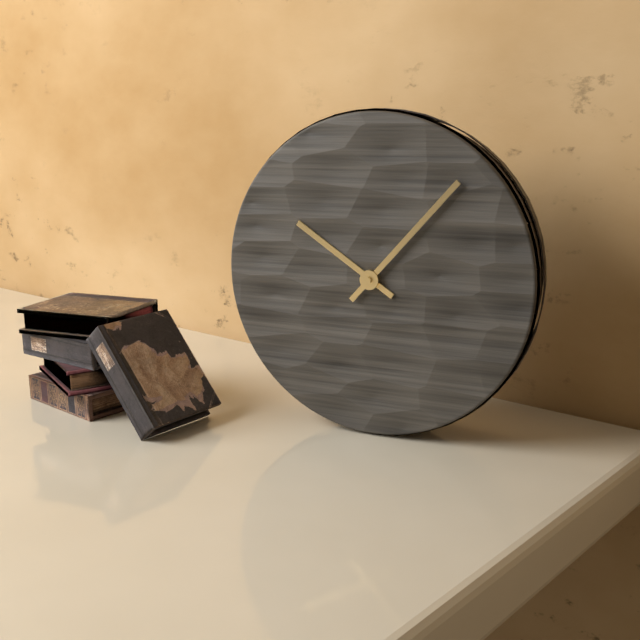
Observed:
10h07
